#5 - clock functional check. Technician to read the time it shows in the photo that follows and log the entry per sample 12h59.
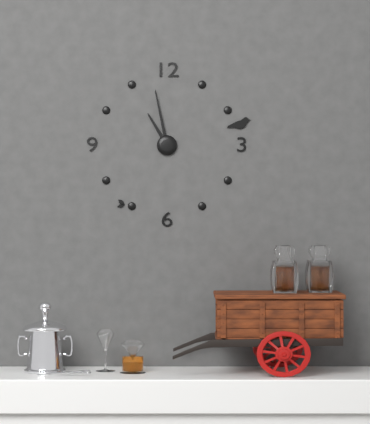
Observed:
10h58
